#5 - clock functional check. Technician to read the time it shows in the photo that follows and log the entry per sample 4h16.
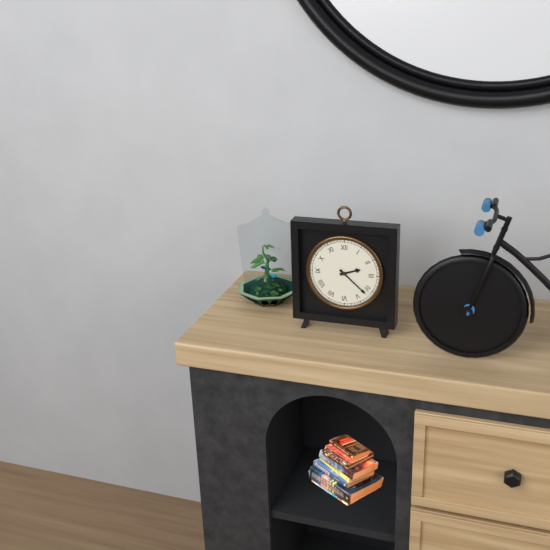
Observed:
2h22
